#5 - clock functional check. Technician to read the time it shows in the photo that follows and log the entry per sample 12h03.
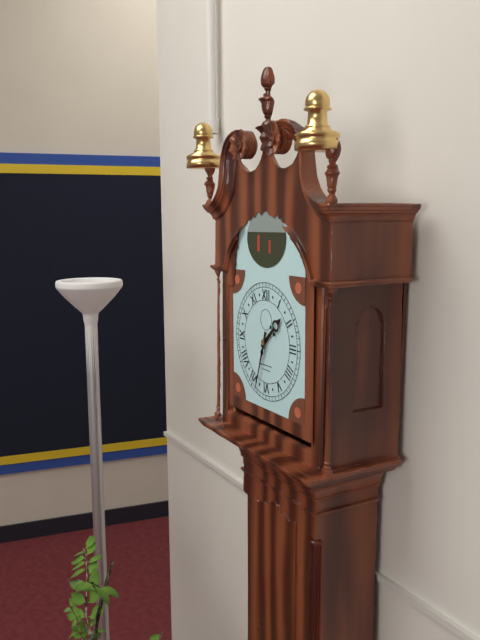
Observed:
1h33
